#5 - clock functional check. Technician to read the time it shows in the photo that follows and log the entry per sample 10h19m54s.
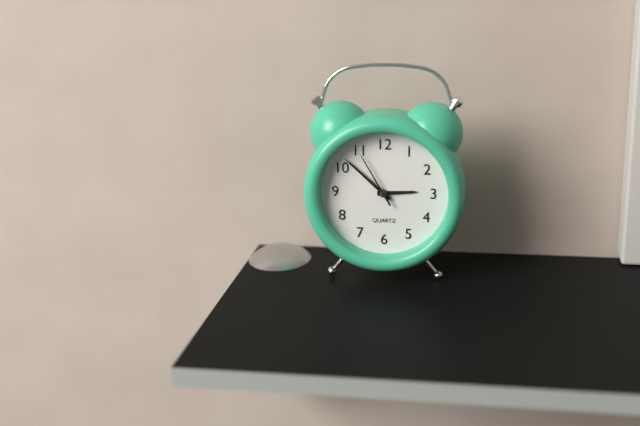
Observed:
2h52m55s
